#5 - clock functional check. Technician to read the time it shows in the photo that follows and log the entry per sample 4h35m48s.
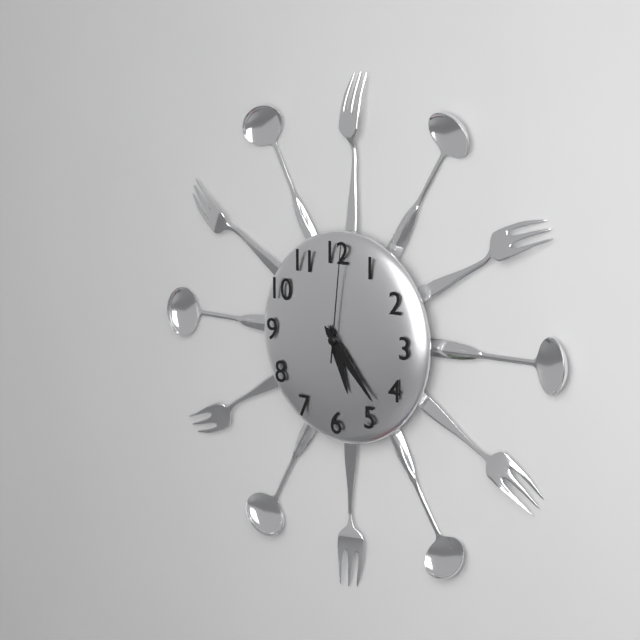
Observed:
5h23m01s
